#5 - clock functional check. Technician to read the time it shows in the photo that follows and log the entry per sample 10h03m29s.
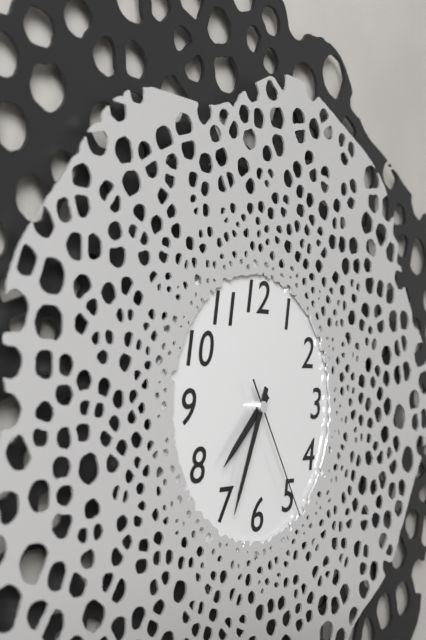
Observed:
7h34m25s
